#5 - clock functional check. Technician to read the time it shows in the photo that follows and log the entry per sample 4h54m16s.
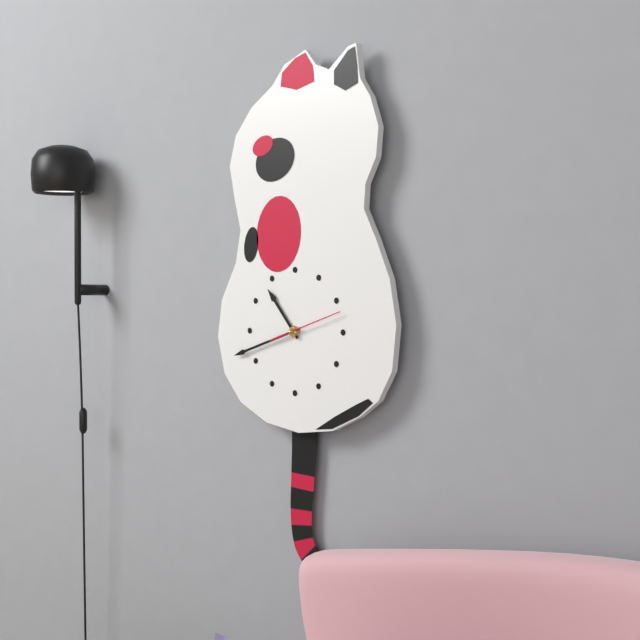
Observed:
10h42m12s
